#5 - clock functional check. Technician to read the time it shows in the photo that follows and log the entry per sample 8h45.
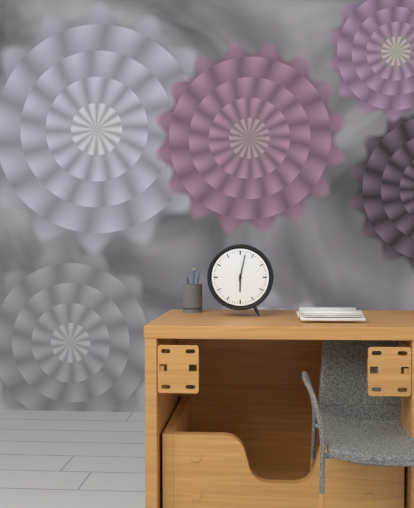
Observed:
6h02
